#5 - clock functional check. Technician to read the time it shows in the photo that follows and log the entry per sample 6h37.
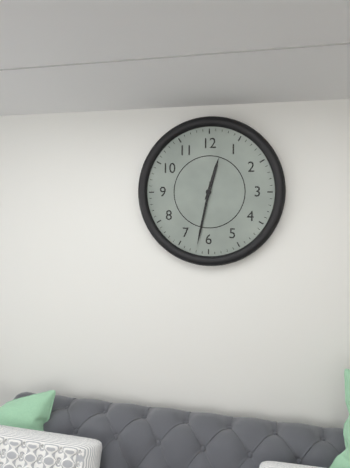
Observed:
12h32
